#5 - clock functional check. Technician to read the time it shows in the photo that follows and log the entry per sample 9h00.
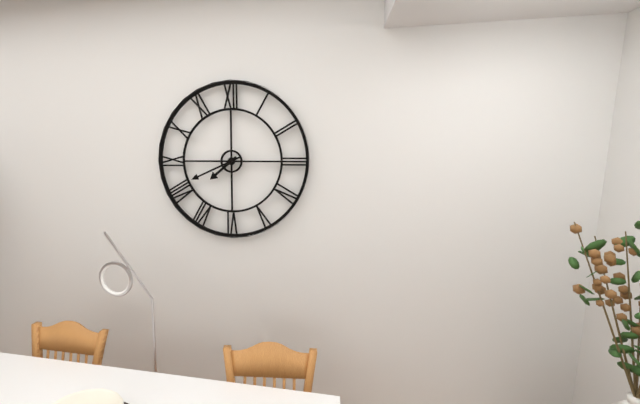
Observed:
7h41
